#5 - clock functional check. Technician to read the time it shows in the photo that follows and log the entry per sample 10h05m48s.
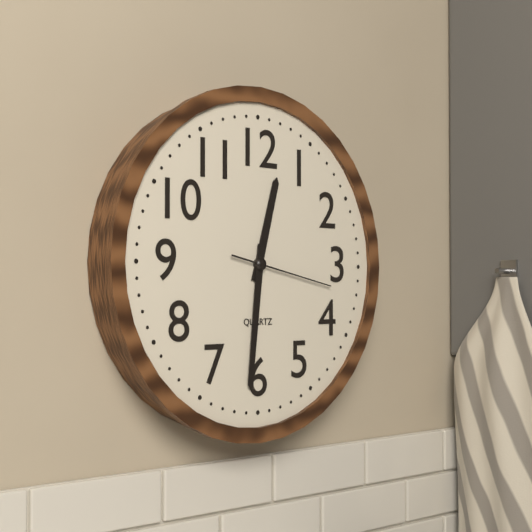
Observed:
12h31m17s
